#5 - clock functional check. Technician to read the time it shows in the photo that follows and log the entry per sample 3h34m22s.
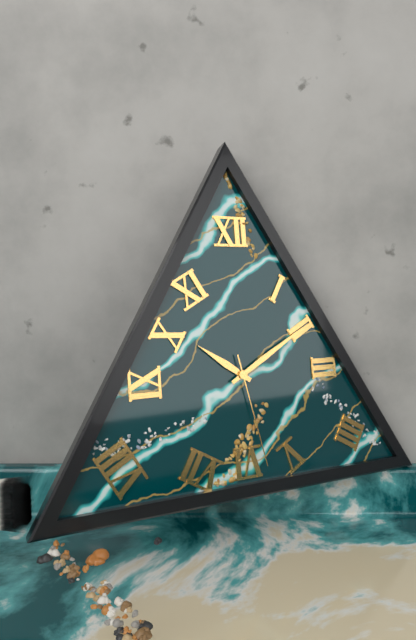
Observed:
10h10m28s
